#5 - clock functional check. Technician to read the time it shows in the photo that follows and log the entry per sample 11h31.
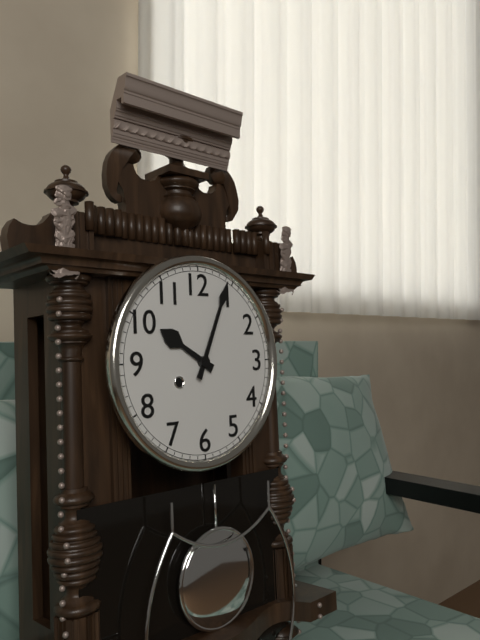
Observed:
10h04
